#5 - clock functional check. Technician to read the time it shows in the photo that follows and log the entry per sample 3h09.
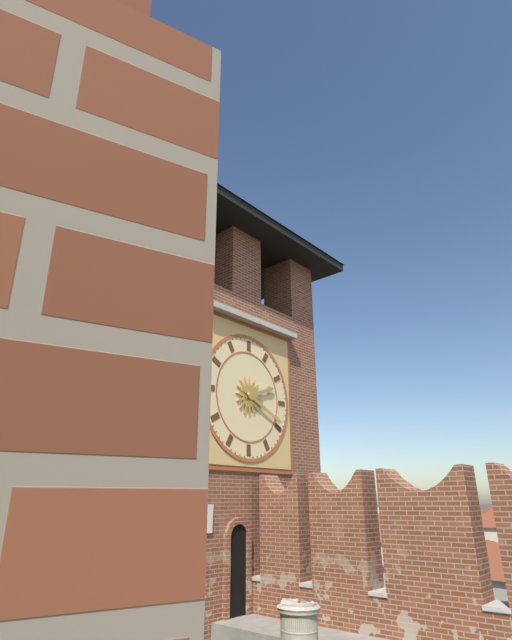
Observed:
2h19
